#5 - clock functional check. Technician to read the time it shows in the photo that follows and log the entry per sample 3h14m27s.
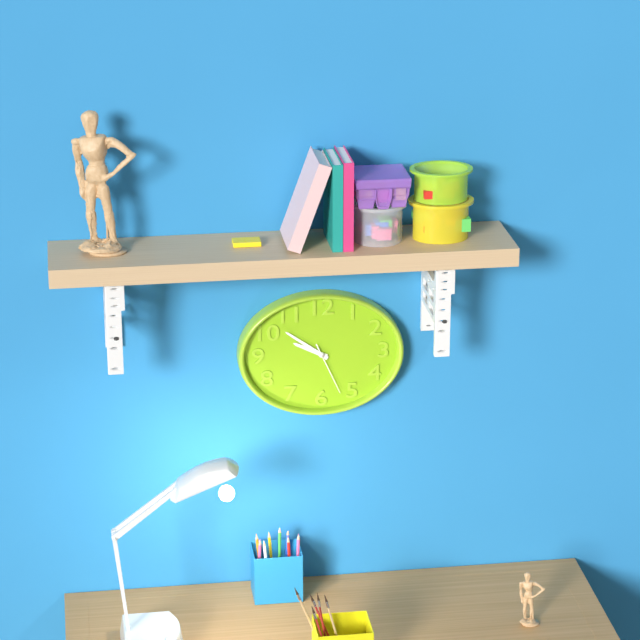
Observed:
9h51m26s
